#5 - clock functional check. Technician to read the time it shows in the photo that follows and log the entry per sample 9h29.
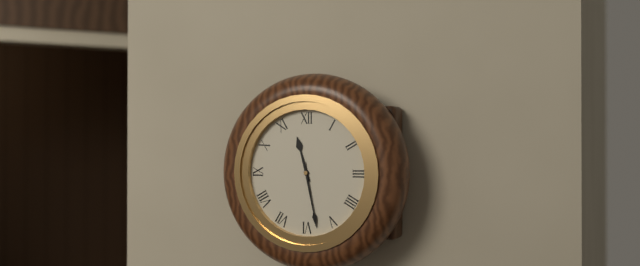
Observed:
11h28
